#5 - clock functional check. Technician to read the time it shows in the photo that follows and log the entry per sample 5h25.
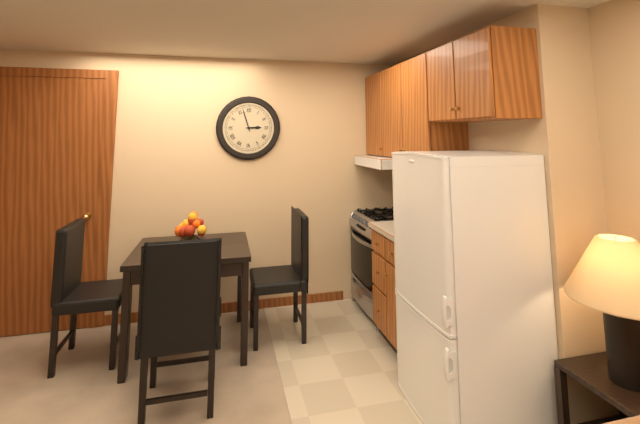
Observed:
2h57
